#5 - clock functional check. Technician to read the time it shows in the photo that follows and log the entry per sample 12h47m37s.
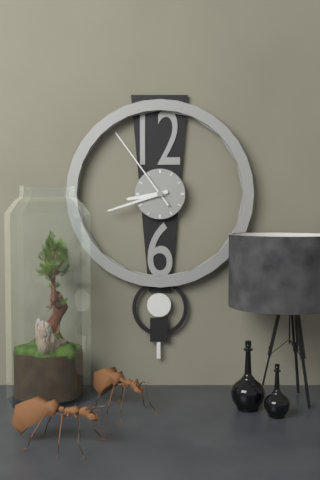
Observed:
8h42m54s
